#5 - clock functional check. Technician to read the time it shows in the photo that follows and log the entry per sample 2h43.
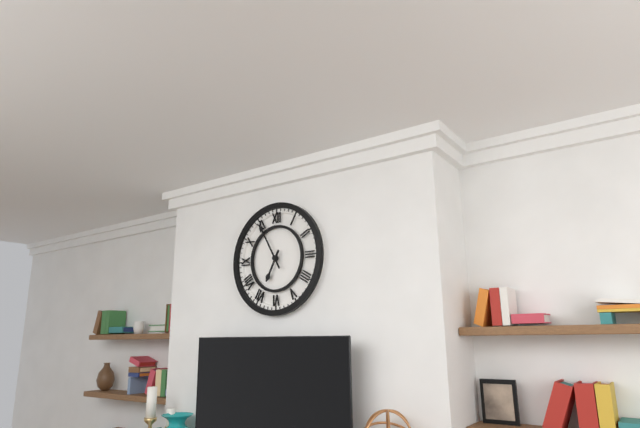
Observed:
6h55
